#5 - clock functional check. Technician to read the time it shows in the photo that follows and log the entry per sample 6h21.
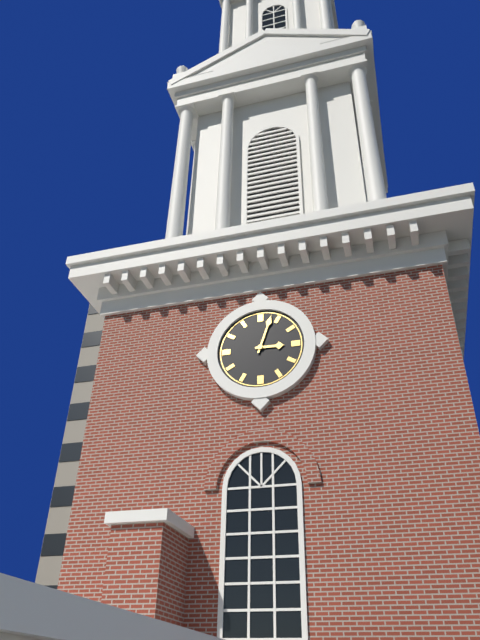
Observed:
3h03
